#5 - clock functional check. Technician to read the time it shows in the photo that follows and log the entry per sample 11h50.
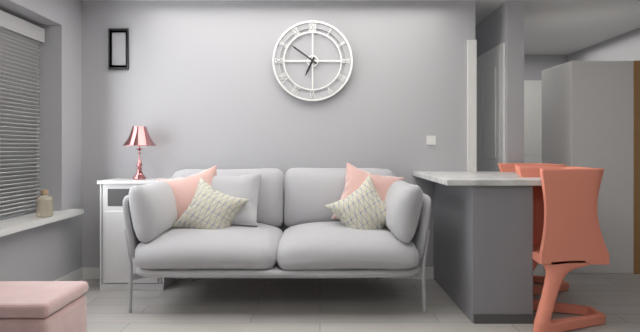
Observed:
6h51
